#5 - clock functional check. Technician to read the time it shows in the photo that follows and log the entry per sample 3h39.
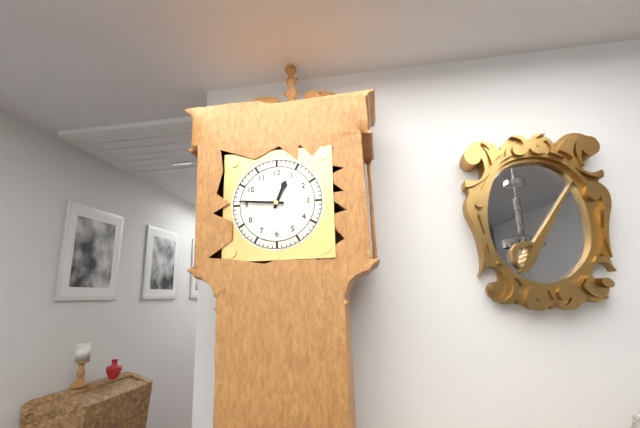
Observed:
12h46
